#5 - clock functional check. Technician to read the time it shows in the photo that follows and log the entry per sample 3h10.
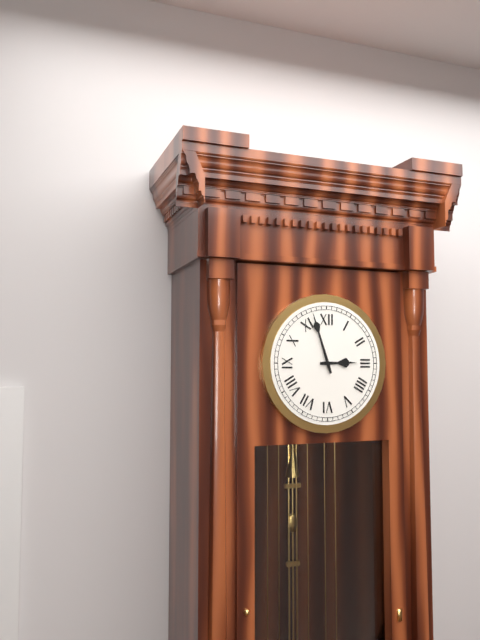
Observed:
2h57
